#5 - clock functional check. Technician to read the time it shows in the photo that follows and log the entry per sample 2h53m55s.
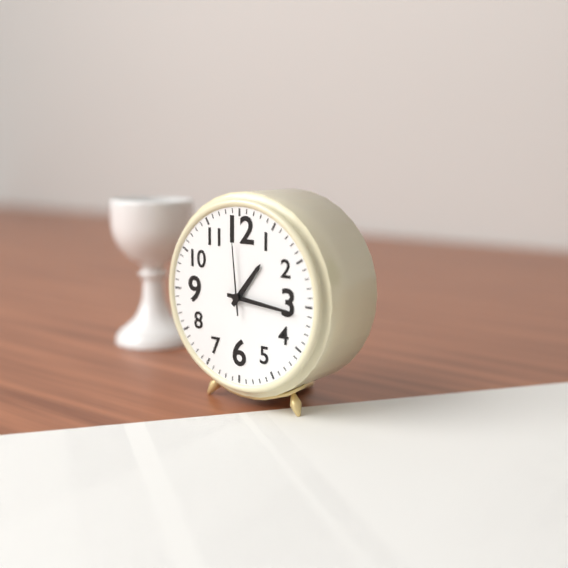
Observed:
1h16m59s
